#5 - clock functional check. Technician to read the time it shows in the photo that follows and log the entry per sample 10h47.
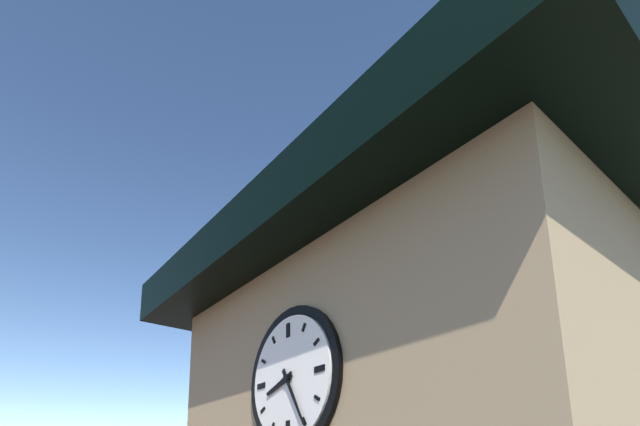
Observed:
8h25
